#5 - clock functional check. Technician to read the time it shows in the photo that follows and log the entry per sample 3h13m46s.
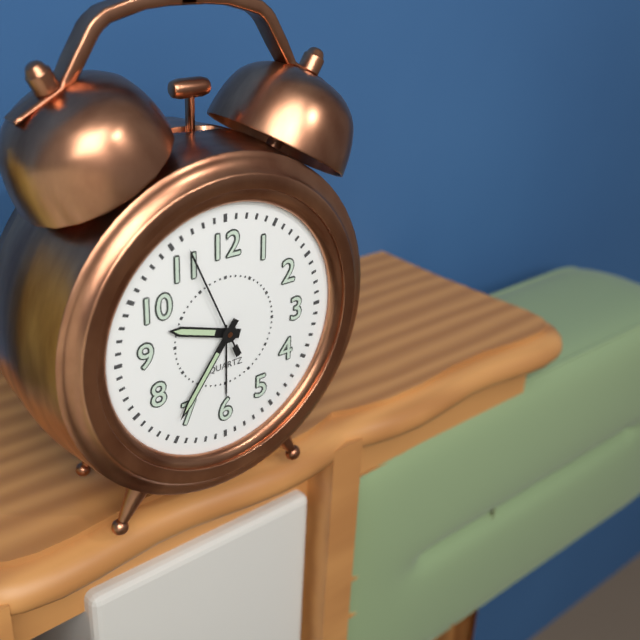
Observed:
9h36m56s
